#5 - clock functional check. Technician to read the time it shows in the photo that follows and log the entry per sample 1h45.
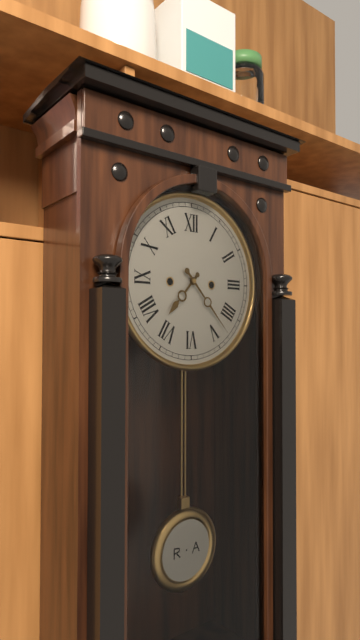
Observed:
7h23
